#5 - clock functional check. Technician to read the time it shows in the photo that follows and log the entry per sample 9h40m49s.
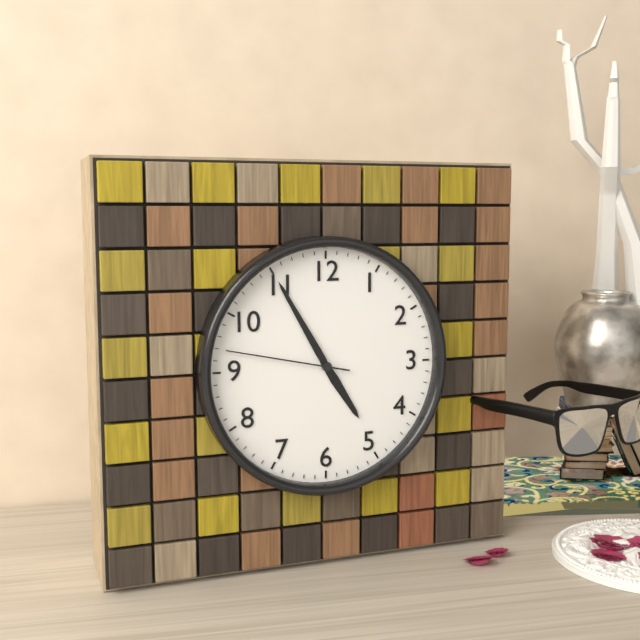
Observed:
4h55m47s
